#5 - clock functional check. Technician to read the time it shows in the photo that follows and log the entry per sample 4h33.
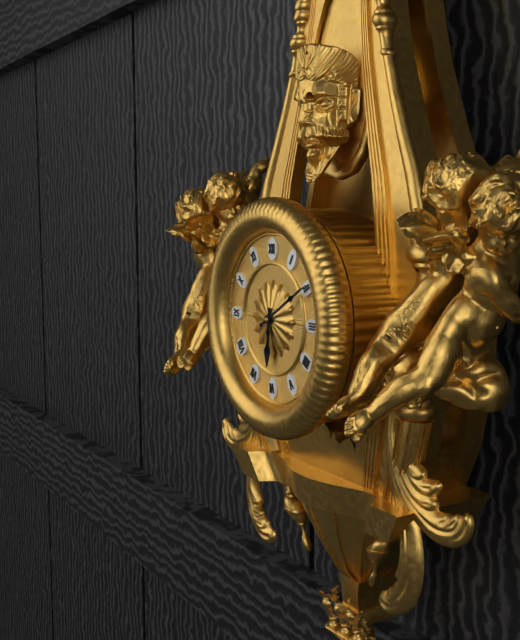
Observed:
6h10
